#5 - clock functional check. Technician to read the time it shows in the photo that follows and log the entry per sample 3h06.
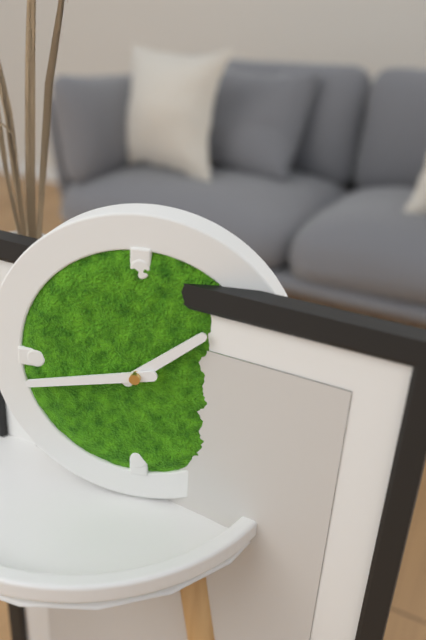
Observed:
1h43
